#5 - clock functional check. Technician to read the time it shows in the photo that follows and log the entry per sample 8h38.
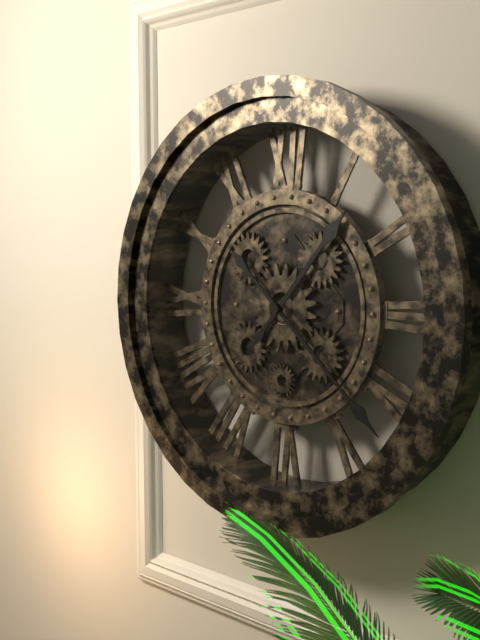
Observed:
1h22
